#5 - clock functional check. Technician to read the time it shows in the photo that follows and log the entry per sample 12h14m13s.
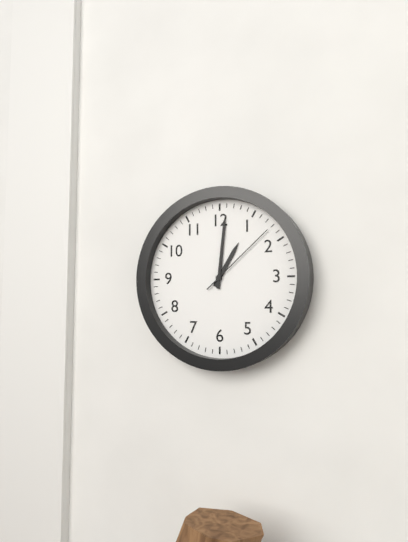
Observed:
1h01m08s
